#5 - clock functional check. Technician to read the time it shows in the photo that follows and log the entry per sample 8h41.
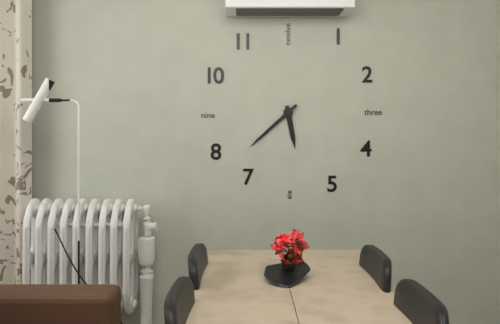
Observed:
5h38
